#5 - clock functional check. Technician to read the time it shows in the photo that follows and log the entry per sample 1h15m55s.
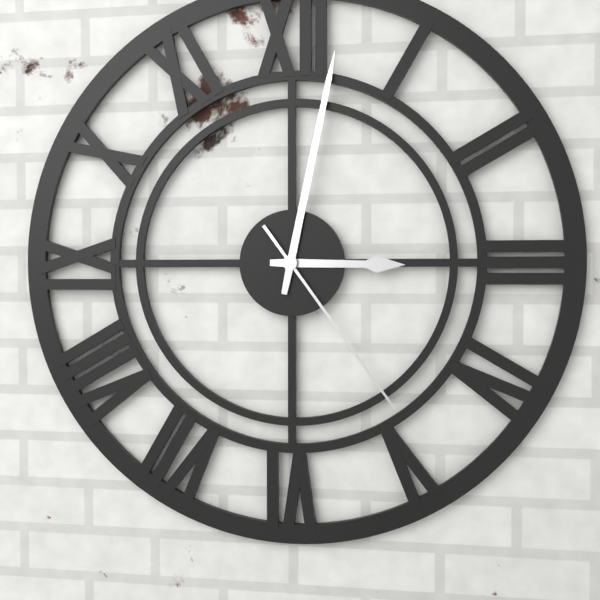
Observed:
3h02m24s
